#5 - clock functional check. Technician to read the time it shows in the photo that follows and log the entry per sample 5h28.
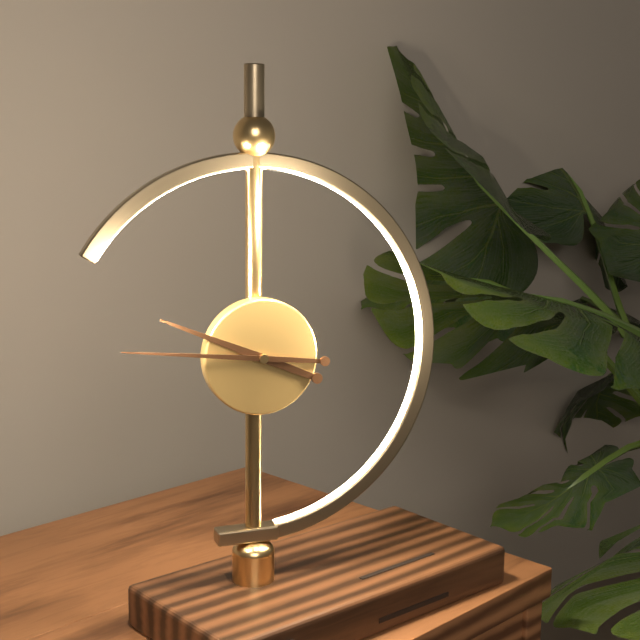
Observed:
9h46
